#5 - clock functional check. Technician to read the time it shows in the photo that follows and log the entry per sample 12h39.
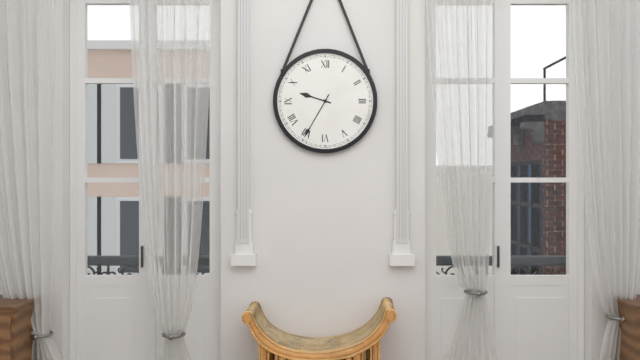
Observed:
9h35
